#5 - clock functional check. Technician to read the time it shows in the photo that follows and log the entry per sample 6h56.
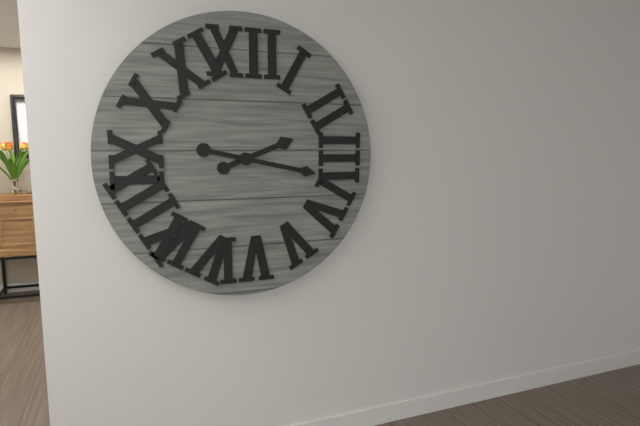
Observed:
2h17
